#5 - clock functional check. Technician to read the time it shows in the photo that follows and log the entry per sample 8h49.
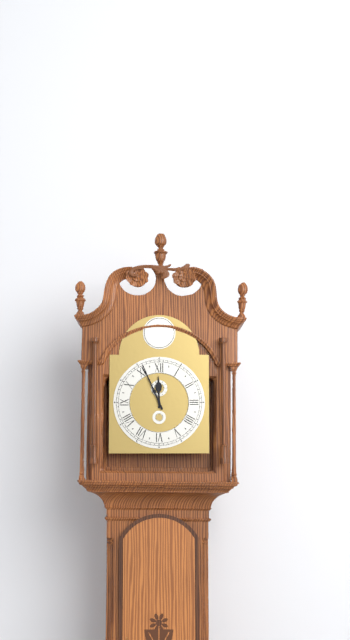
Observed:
11h56
